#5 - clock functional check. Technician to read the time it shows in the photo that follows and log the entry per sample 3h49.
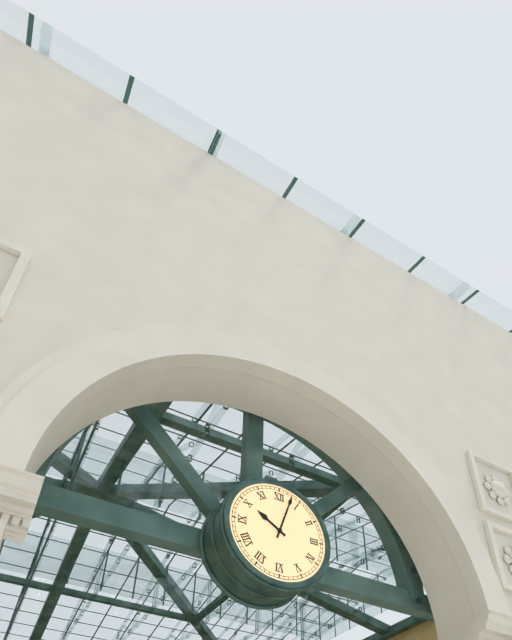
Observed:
10h03
